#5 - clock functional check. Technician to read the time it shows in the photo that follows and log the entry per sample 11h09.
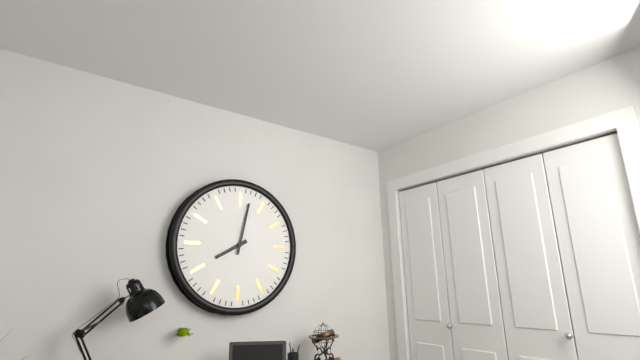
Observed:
8h02
